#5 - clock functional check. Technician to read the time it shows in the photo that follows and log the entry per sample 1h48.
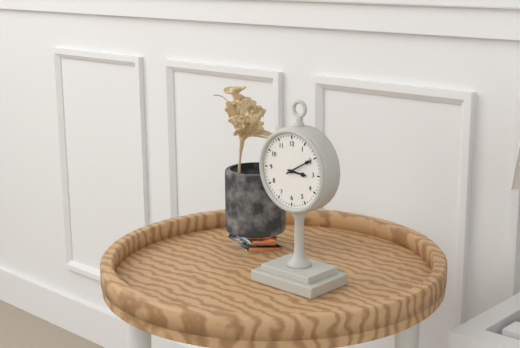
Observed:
3h10
